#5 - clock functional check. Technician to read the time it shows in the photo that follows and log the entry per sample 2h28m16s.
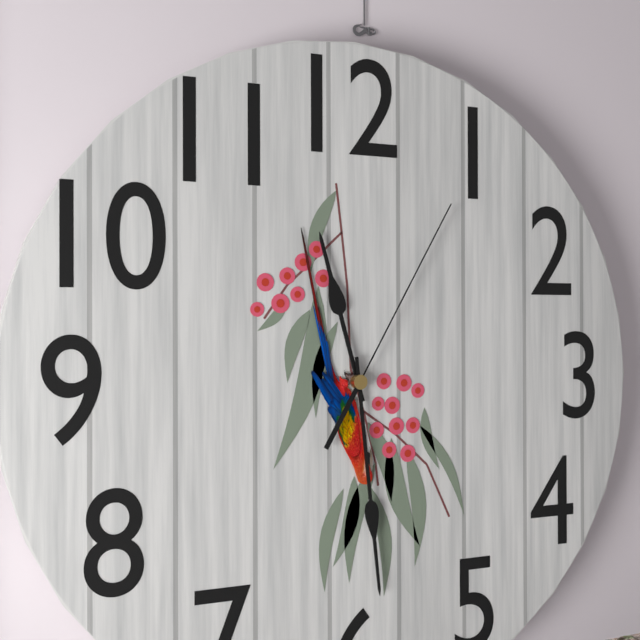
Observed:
11h29m05s
